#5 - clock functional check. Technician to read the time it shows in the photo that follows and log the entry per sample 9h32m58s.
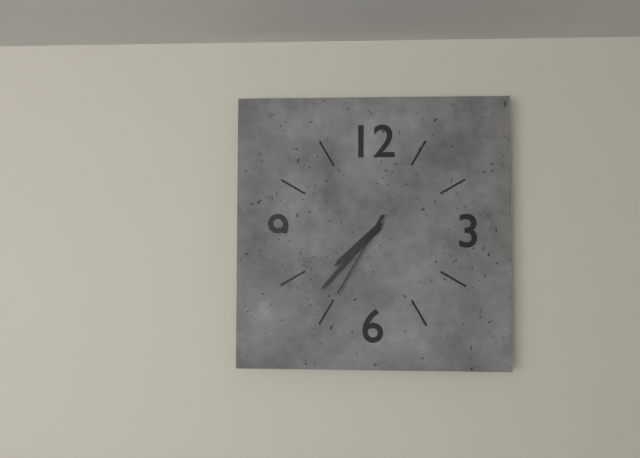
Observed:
7h37m35s
